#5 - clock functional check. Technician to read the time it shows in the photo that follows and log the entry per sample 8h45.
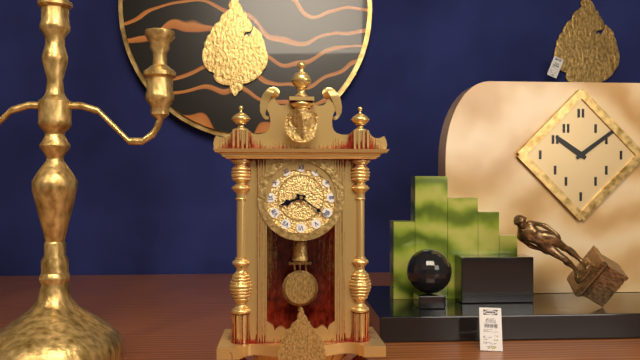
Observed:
8h21
